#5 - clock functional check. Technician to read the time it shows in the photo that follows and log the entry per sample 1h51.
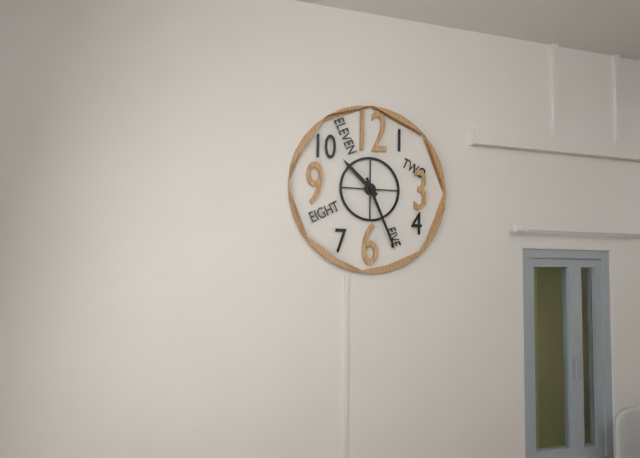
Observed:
10h26
